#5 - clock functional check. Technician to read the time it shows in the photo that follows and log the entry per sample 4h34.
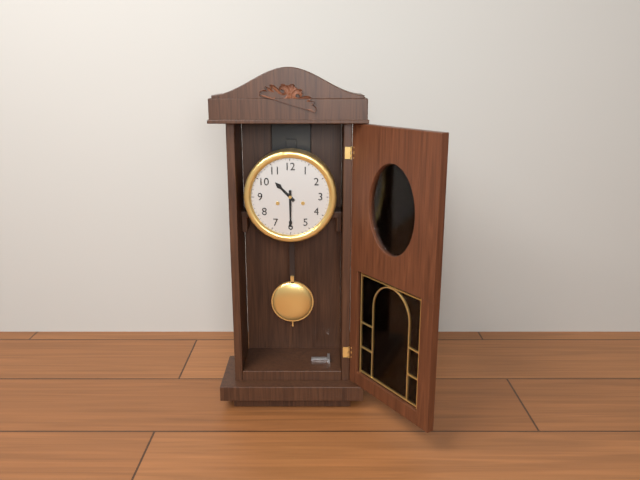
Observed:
10h30
